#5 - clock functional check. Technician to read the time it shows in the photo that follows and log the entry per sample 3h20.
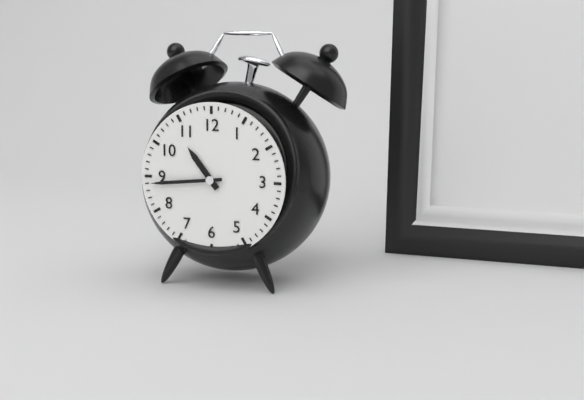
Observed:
10h44
